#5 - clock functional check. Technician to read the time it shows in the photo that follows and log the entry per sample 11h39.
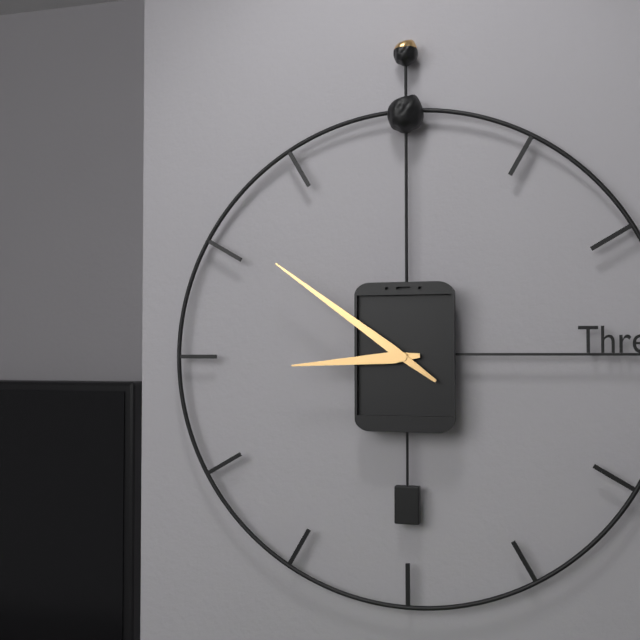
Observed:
8h51
